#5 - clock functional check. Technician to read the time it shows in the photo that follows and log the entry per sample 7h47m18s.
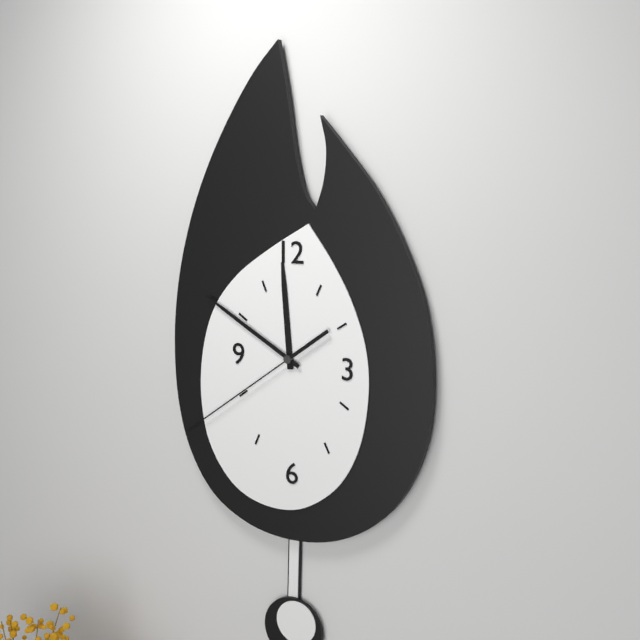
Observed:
11h50m39s
